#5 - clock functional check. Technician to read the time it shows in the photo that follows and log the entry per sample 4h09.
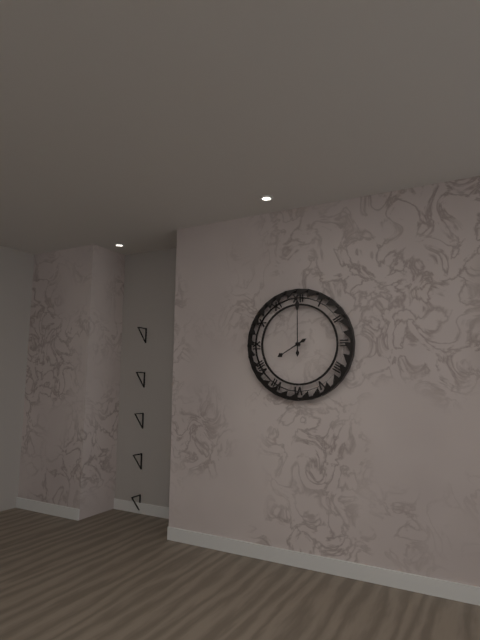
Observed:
8h00
